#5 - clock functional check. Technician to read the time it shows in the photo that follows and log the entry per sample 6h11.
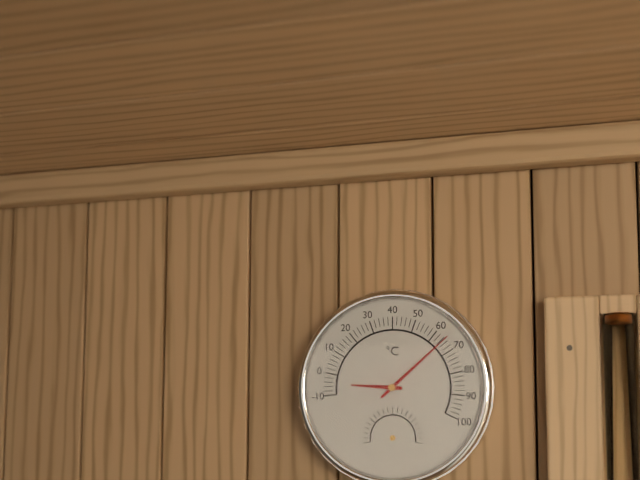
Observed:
9h08
